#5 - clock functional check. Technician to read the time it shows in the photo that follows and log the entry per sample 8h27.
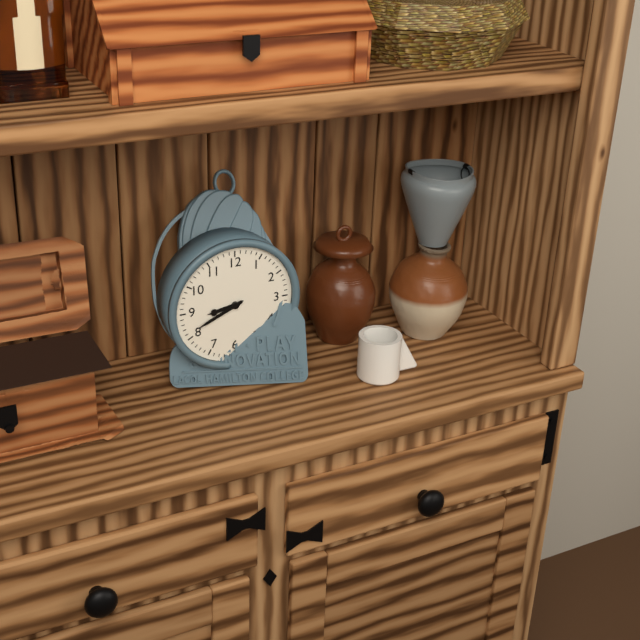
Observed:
8h41
